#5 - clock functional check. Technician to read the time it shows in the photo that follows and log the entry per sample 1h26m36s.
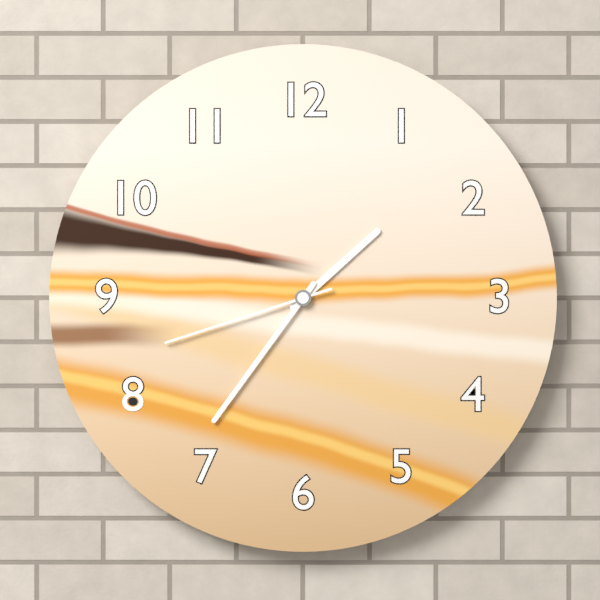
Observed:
1h36m42s
